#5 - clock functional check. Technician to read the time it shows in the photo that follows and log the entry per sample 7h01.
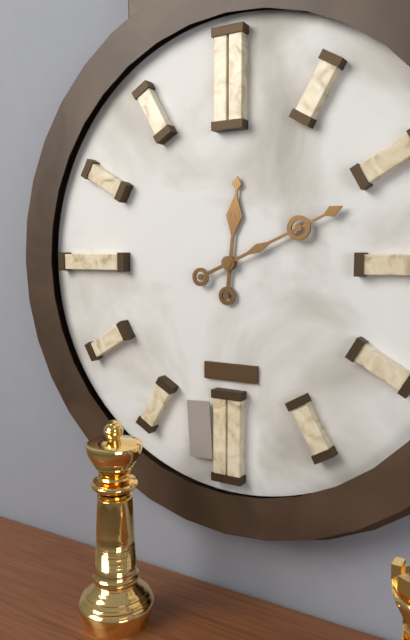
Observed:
12h11
